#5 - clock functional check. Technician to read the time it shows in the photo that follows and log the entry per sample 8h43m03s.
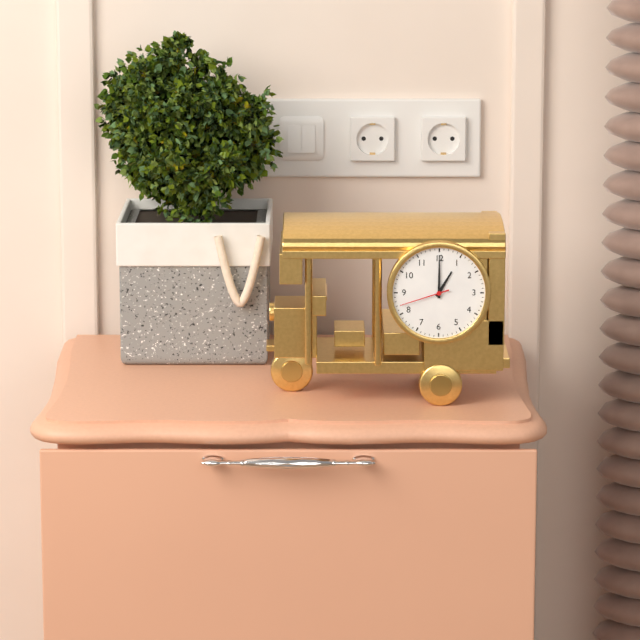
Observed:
1h00m42s
